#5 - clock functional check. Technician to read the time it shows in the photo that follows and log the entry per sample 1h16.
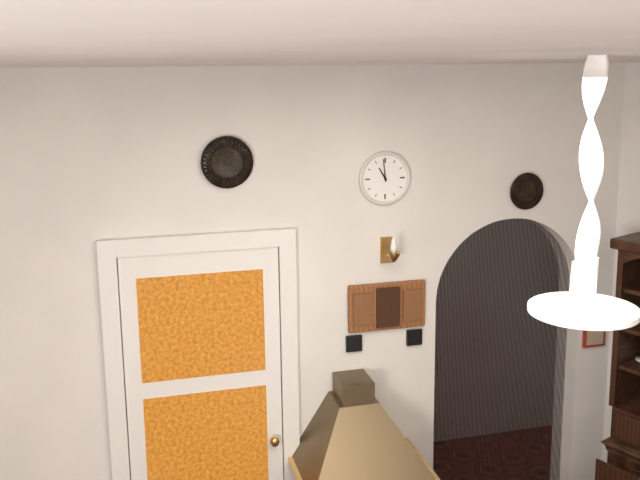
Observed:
10h59
